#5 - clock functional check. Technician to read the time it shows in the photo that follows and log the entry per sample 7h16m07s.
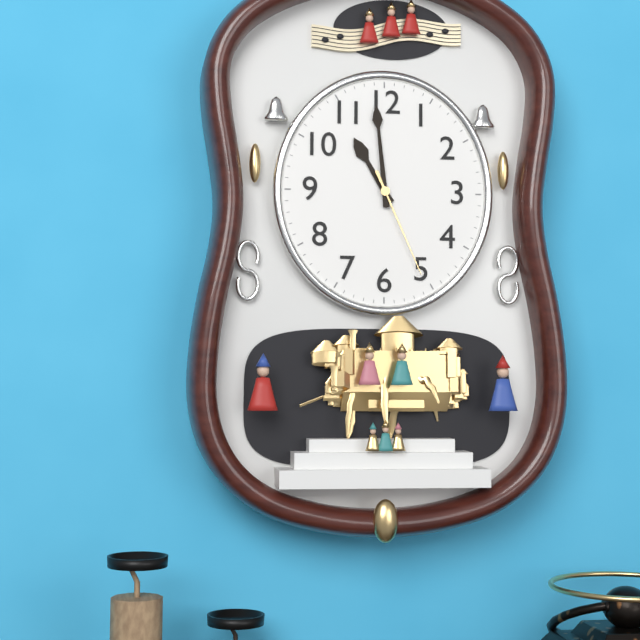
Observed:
10h59m26s
